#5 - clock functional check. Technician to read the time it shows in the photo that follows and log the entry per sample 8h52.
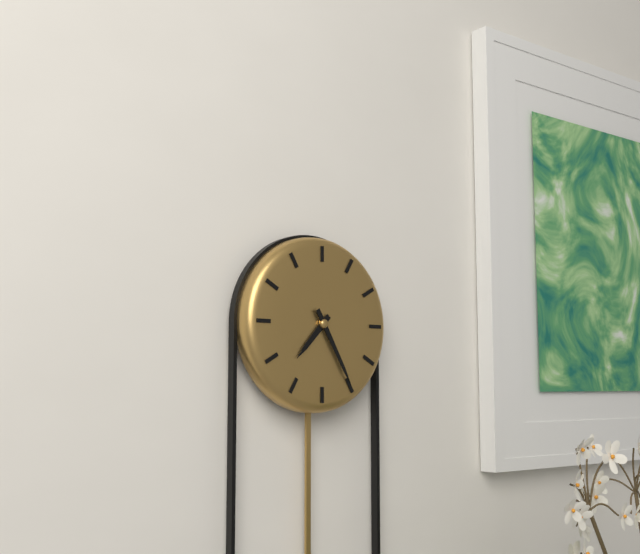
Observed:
7h25
